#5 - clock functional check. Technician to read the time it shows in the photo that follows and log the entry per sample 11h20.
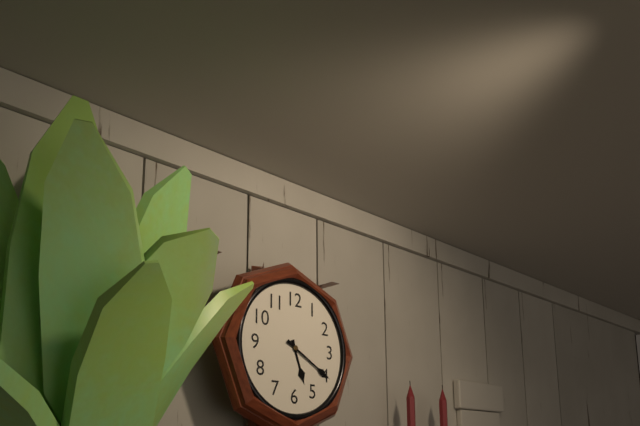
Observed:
5h20
